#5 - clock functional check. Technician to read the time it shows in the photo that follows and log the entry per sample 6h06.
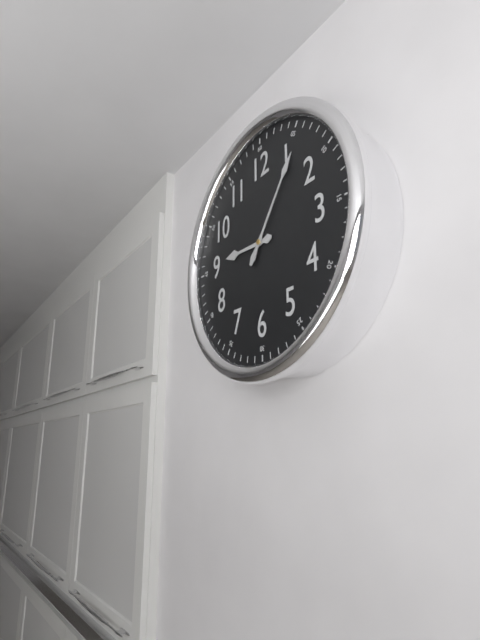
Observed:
9h06
